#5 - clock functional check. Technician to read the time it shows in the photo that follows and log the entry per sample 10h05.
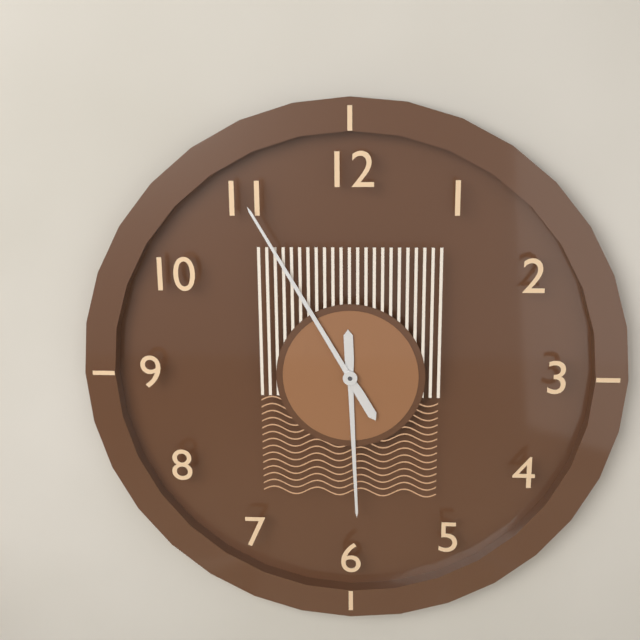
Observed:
5h55
